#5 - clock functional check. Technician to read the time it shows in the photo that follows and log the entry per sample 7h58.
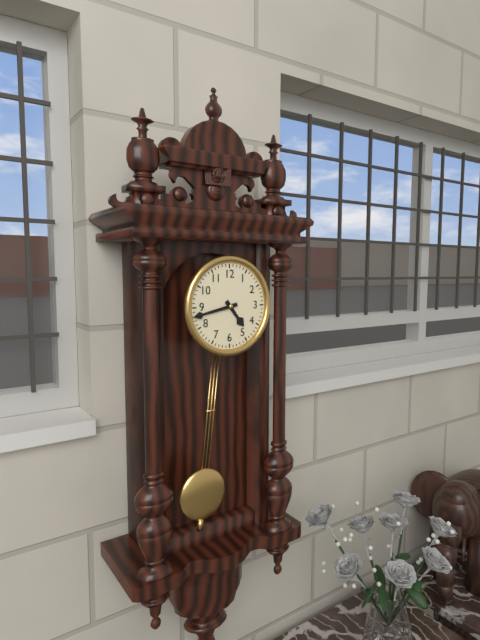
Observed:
4h43
